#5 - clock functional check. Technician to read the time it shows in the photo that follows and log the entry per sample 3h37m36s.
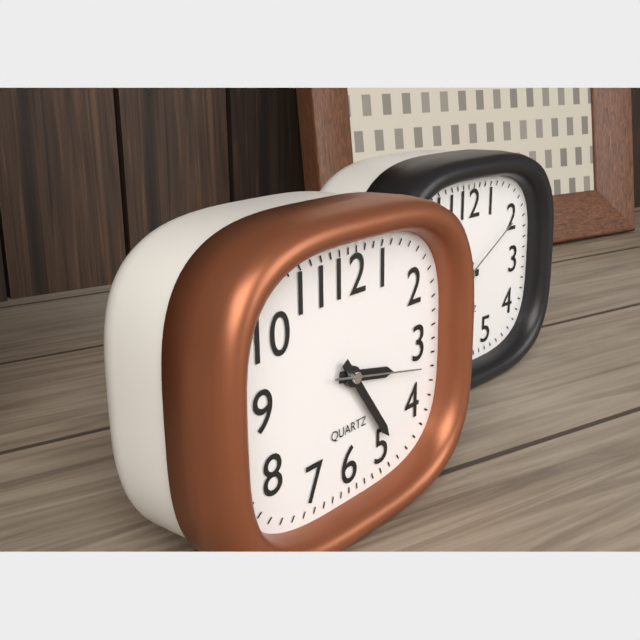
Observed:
3h24m17s
